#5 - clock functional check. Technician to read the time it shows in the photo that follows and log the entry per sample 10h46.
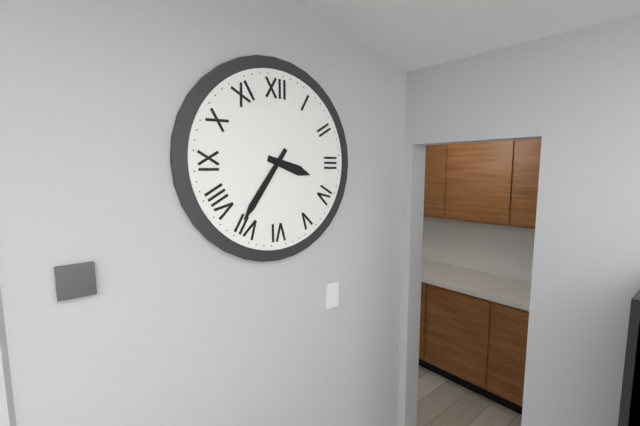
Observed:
3h36
